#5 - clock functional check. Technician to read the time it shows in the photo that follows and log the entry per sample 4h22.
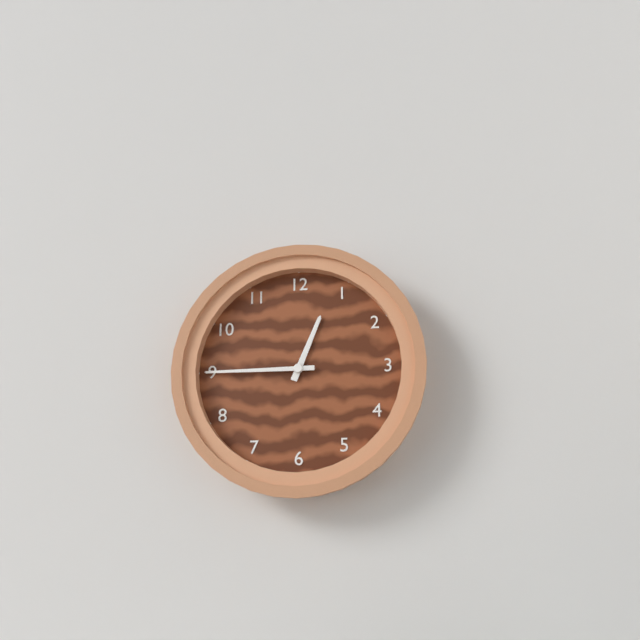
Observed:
12h45
